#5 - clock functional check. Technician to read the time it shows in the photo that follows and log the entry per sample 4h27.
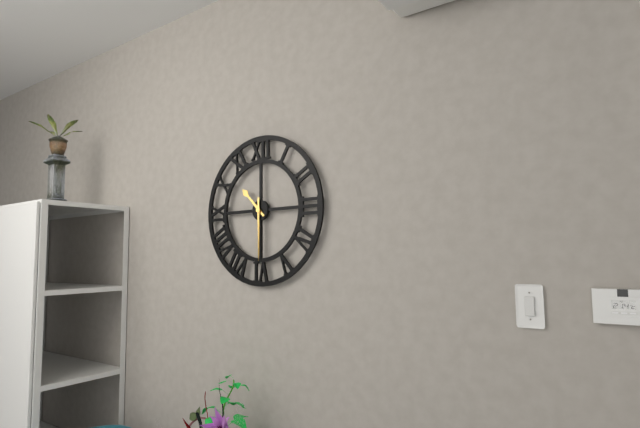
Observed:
10h30
